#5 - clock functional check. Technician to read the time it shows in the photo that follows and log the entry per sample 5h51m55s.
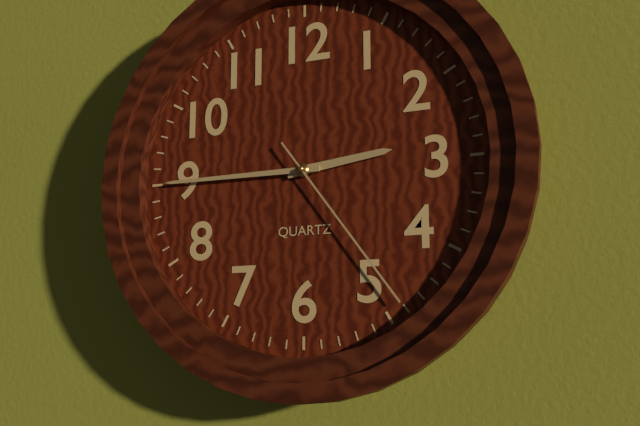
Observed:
2h45m24s
